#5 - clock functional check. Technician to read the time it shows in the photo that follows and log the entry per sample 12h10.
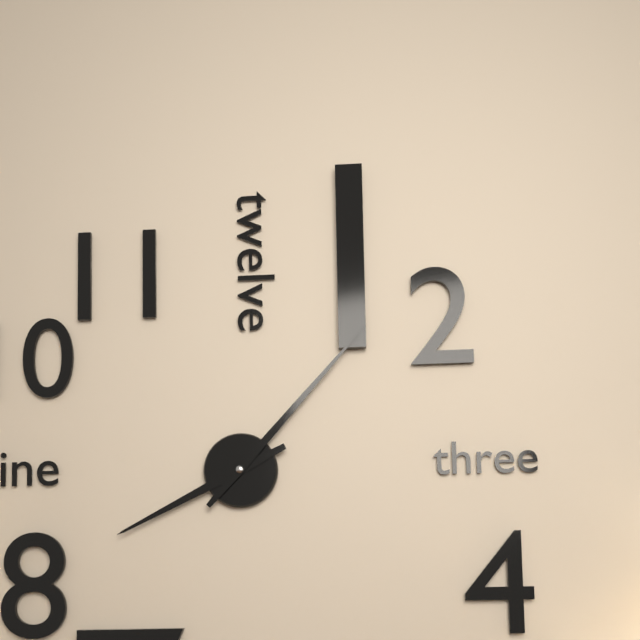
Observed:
8h07
